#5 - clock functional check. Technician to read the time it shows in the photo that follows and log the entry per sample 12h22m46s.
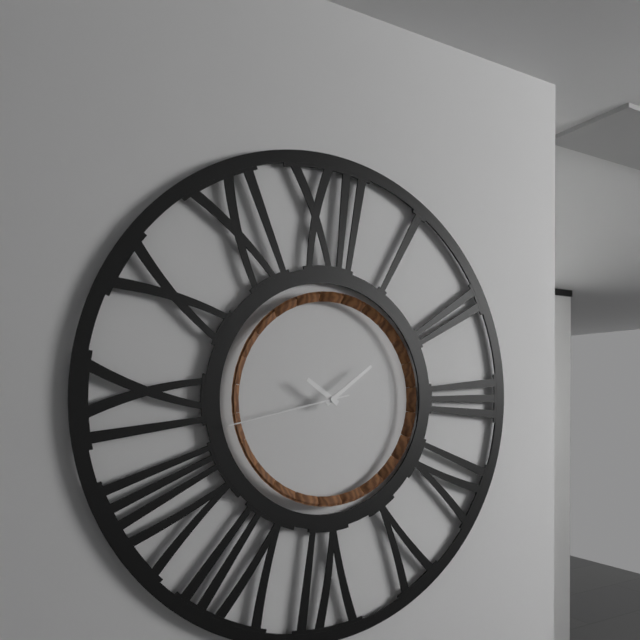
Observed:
10h09m43s
